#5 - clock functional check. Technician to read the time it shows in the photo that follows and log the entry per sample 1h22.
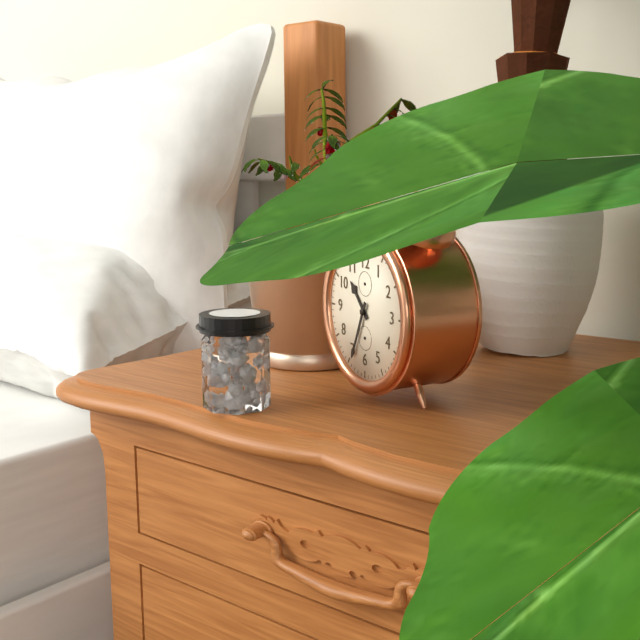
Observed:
10h34
